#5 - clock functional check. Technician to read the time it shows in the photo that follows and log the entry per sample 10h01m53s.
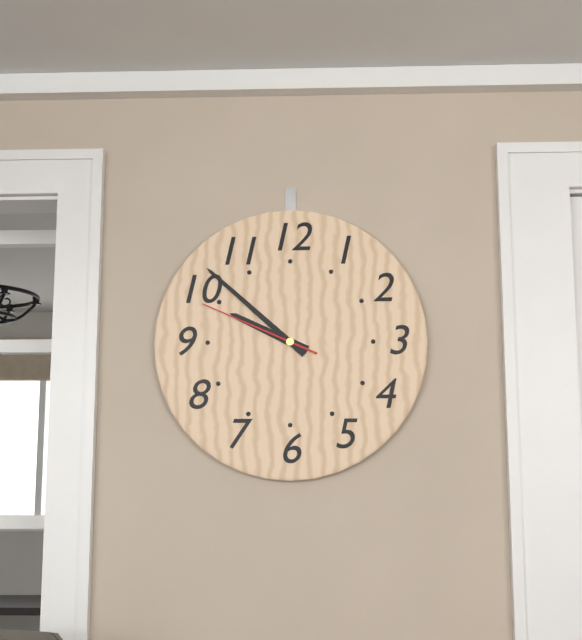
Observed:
9h52m49s
